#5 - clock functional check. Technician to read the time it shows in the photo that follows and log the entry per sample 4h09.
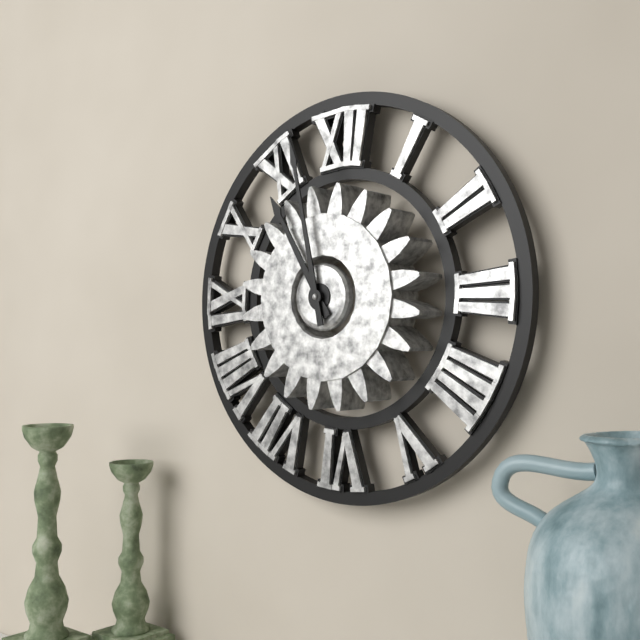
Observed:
10h58
